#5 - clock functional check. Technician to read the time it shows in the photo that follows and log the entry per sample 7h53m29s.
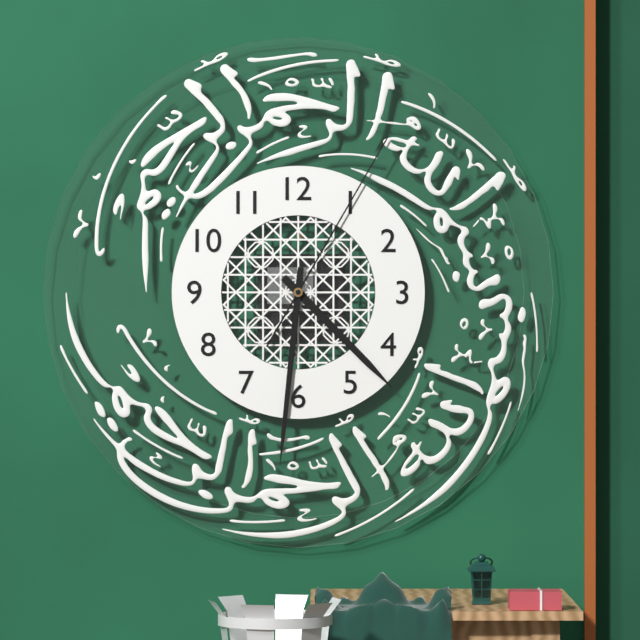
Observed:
4h31m05s
